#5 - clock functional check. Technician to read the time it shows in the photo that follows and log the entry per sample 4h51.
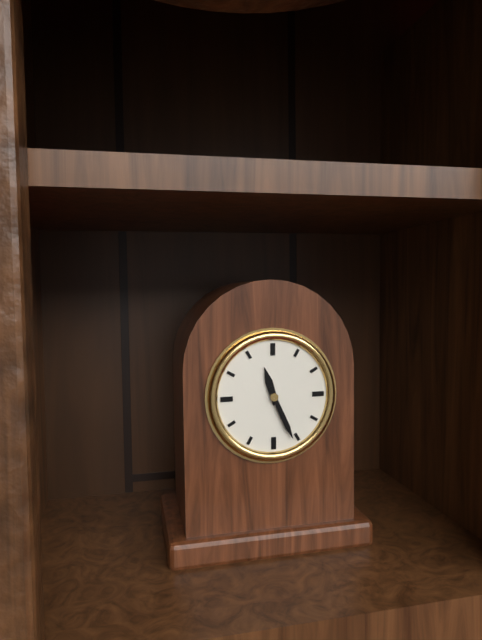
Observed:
11h26
